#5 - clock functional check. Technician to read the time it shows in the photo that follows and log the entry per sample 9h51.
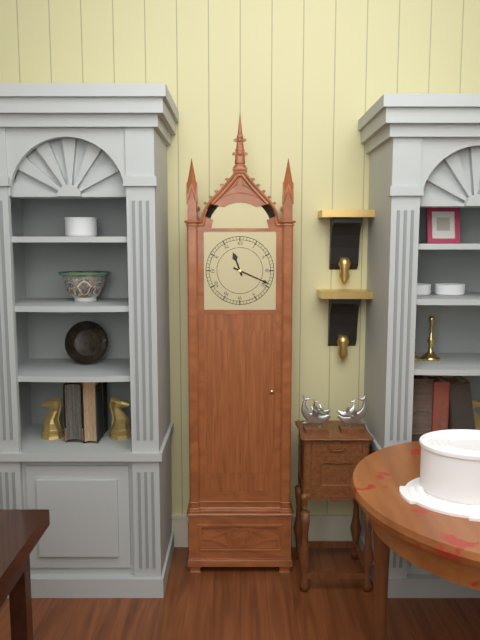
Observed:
11h19
